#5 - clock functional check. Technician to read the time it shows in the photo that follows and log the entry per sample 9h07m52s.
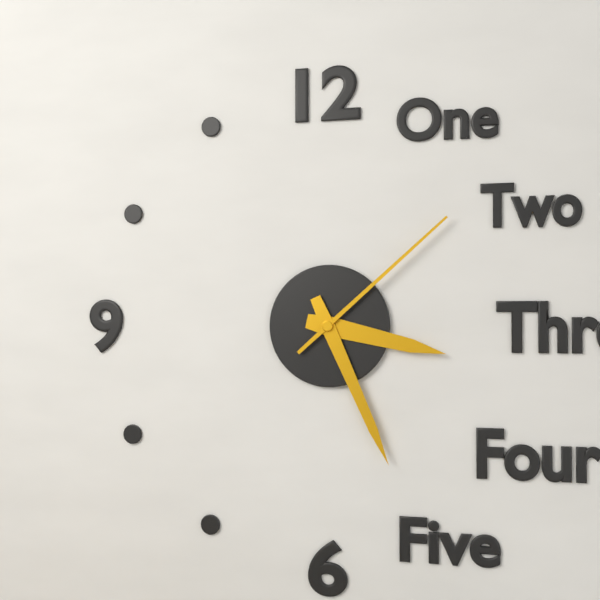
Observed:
3h26m08s
